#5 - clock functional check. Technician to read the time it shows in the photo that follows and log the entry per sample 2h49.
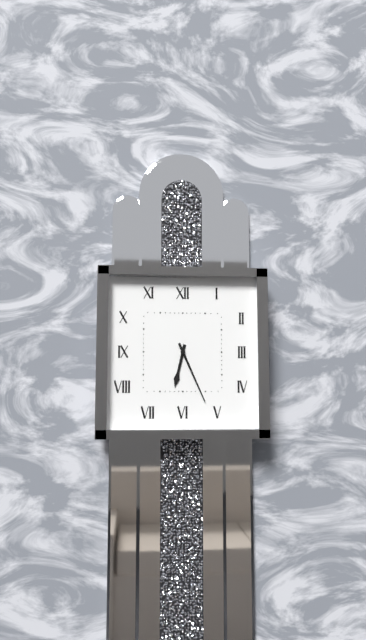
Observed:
6h26
